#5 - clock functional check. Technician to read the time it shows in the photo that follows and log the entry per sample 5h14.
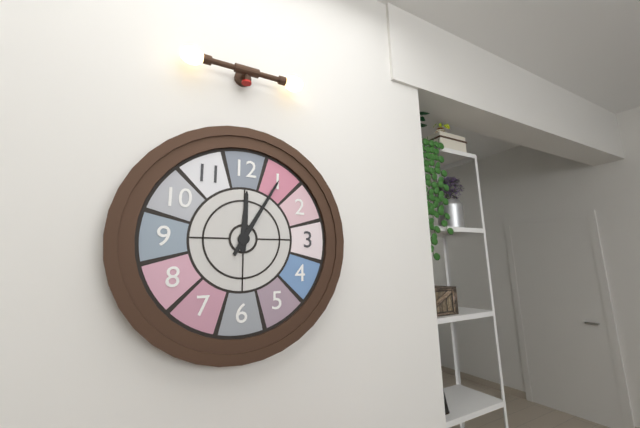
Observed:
12h05
